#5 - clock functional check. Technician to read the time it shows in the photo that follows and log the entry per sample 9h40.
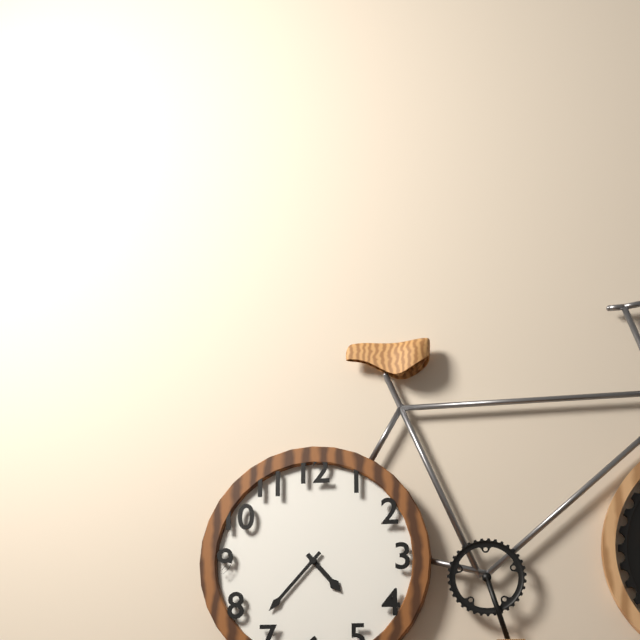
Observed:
4h37
